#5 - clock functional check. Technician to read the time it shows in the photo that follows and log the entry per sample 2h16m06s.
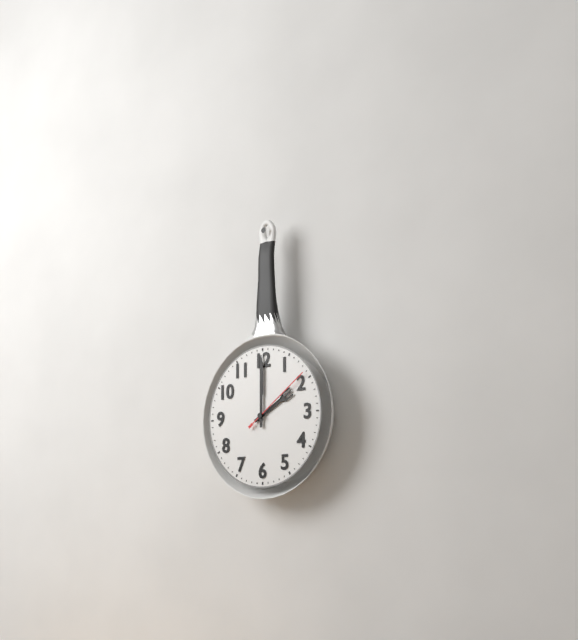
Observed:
2h00m09s
